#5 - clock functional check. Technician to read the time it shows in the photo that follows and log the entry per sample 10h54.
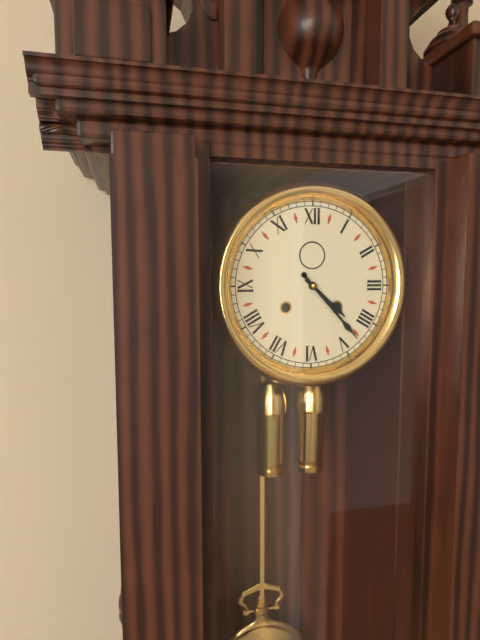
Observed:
4h23
